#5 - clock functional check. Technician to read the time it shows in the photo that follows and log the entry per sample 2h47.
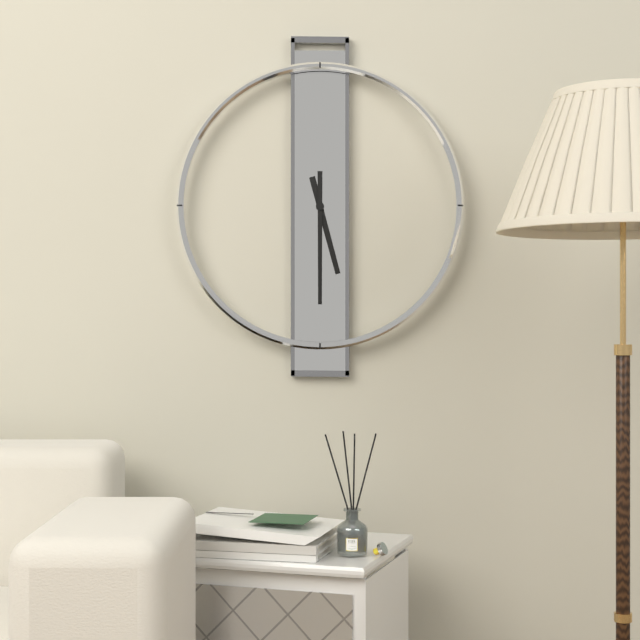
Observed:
5h30
